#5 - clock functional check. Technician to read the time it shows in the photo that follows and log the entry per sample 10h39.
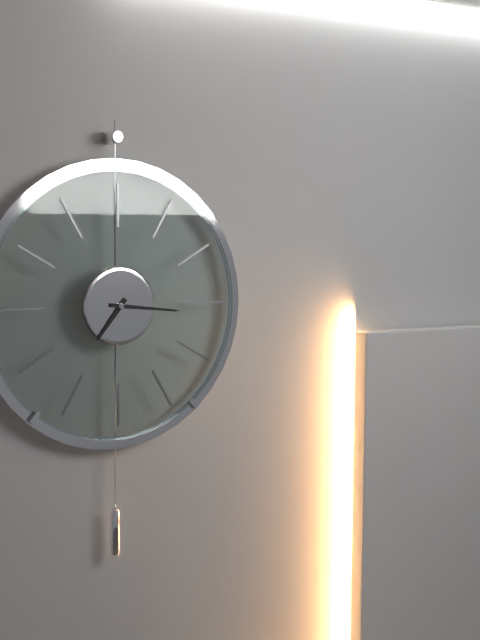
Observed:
7h16
